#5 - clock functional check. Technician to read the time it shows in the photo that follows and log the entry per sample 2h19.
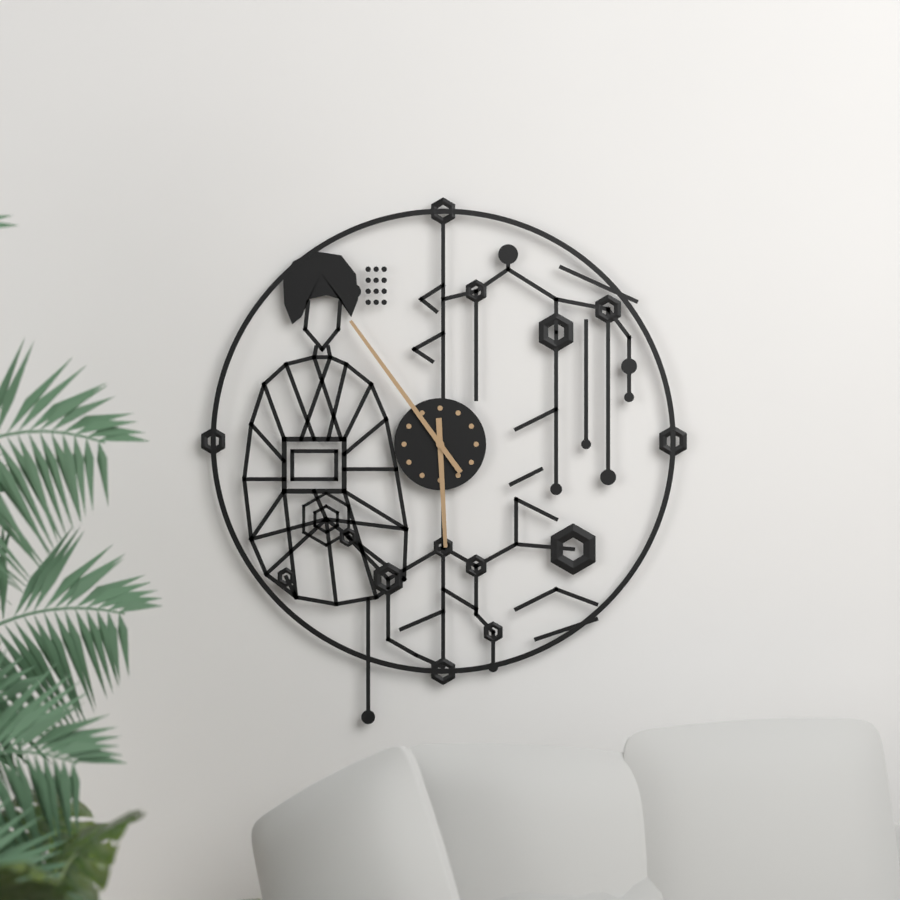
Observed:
5h54
